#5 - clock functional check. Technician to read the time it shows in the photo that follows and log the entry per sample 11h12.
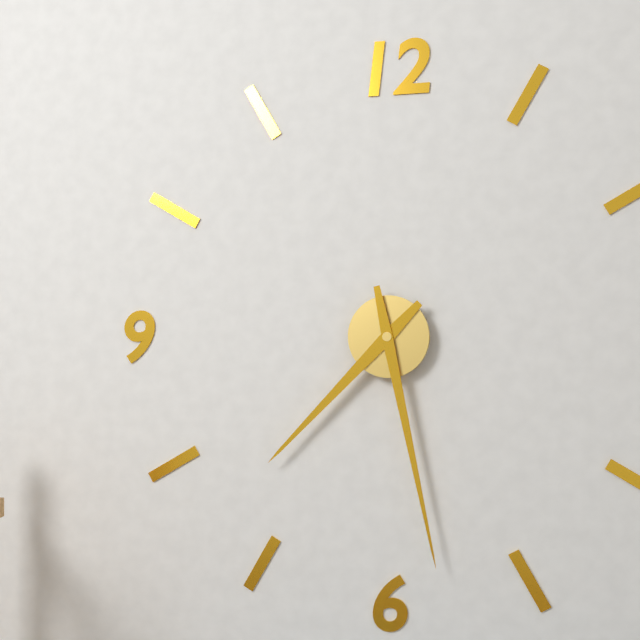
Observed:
7h28
